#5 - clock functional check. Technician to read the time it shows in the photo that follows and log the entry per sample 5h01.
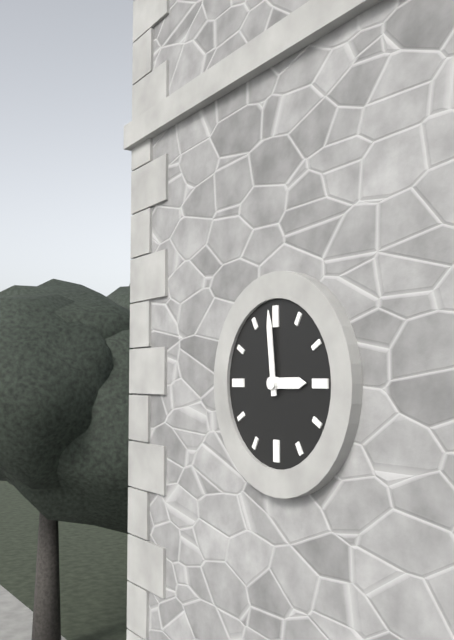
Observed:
2h59
